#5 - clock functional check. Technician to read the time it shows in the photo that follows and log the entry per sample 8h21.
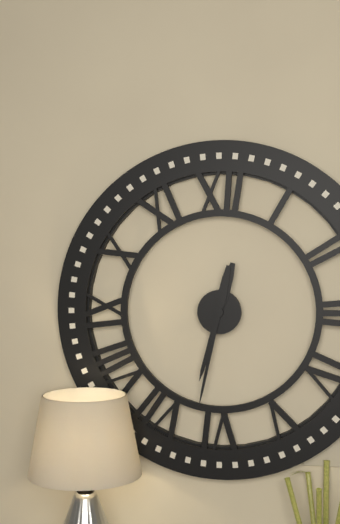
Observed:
6h32
